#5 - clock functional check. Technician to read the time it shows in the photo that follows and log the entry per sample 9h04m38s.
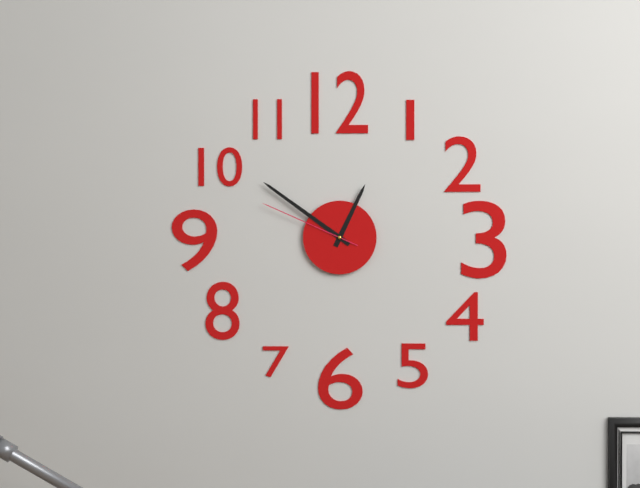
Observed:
12h51m49s
